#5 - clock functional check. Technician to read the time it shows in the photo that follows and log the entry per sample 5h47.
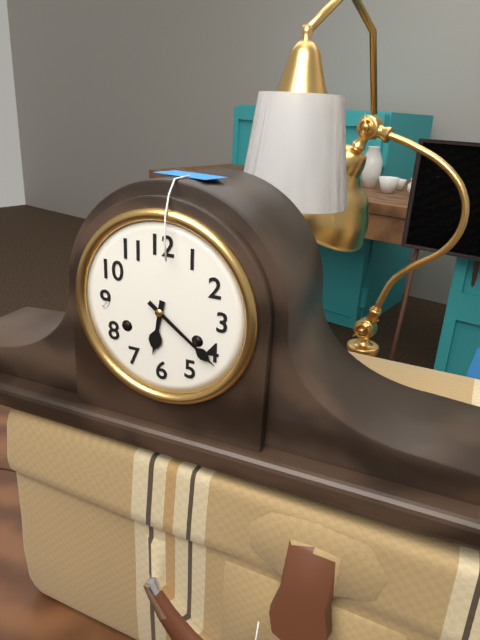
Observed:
6h21
